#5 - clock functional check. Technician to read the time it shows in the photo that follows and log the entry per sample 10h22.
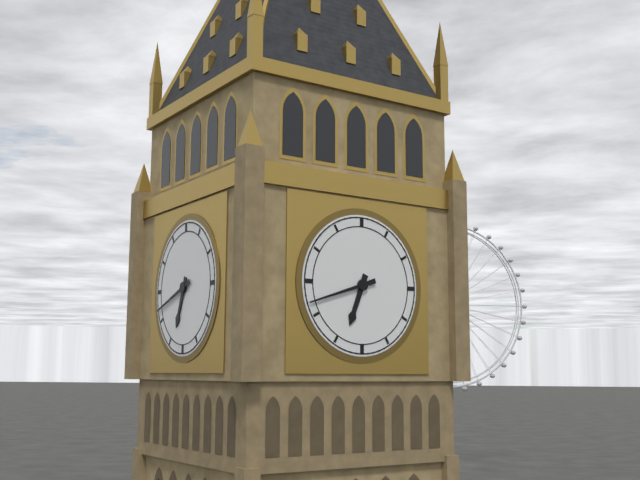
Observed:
6h42
